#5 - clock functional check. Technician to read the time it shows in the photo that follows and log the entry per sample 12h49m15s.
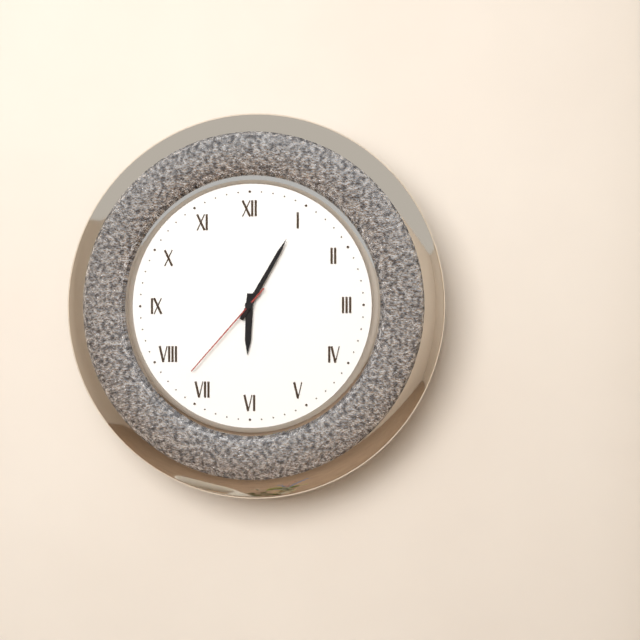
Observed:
6h05m37s
